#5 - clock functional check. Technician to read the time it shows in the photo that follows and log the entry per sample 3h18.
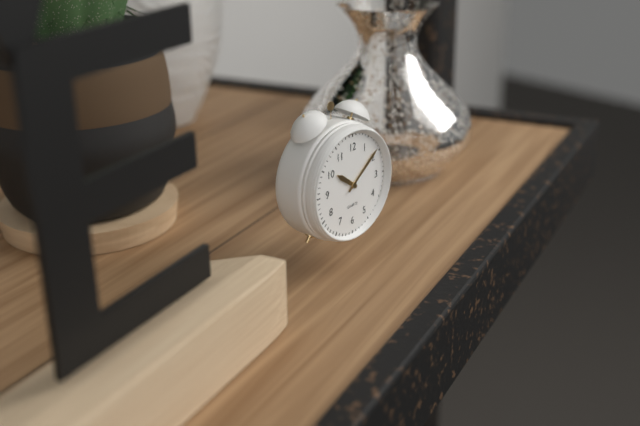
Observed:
10h09
